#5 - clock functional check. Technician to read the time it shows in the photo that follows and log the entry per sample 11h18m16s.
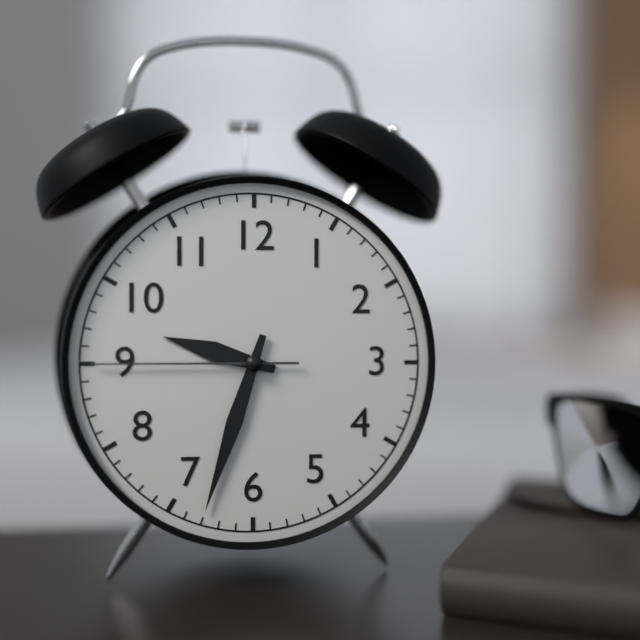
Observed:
9h33m45s
